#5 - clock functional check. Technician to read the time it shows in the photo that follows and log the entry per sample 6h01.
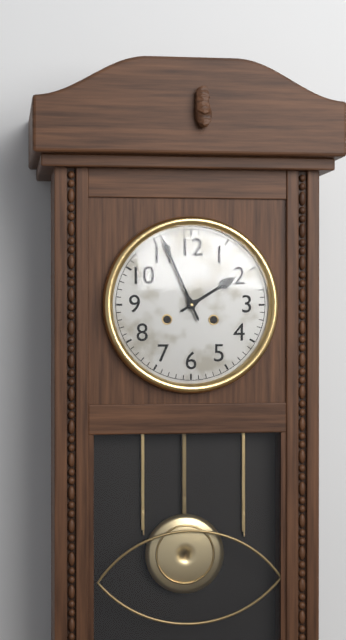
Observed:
1h56
